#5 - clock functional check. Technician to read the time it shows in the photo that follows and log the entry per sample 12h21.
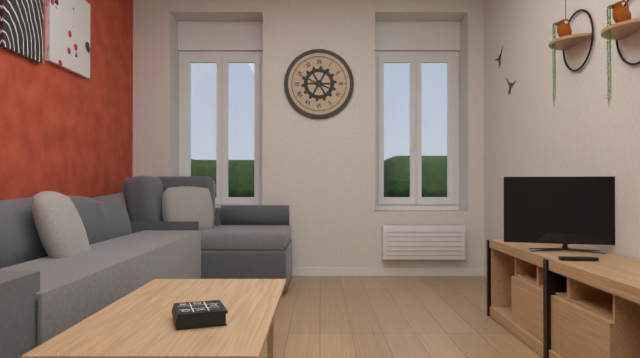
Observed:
3h49
